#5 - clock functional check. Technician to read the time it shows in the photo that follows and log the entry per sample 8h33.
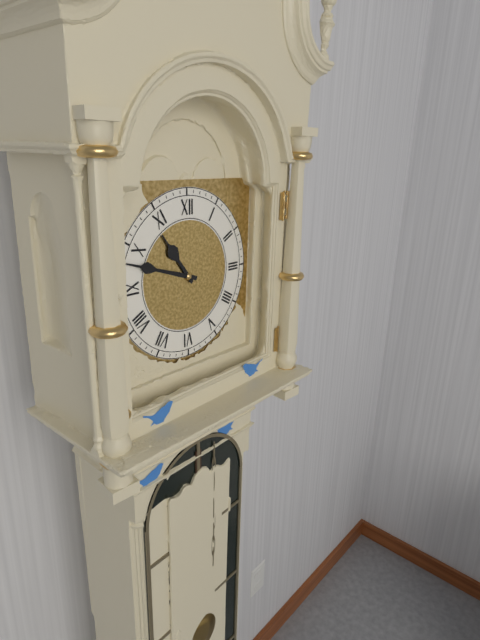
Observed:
10h48
